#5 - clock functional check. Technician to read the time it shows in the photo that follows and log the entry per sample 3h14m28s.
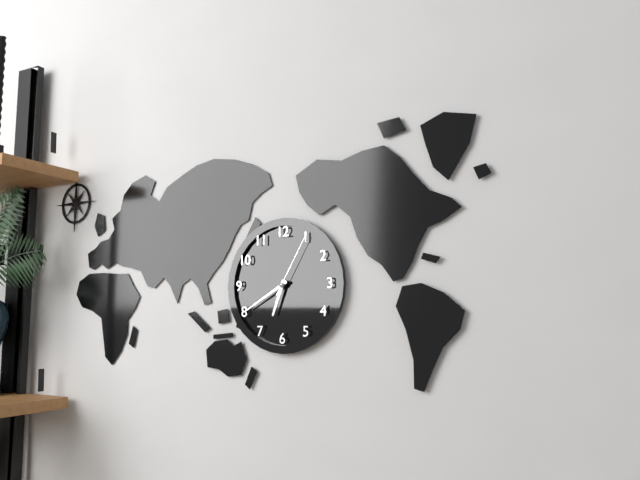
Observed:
6h40m05s
